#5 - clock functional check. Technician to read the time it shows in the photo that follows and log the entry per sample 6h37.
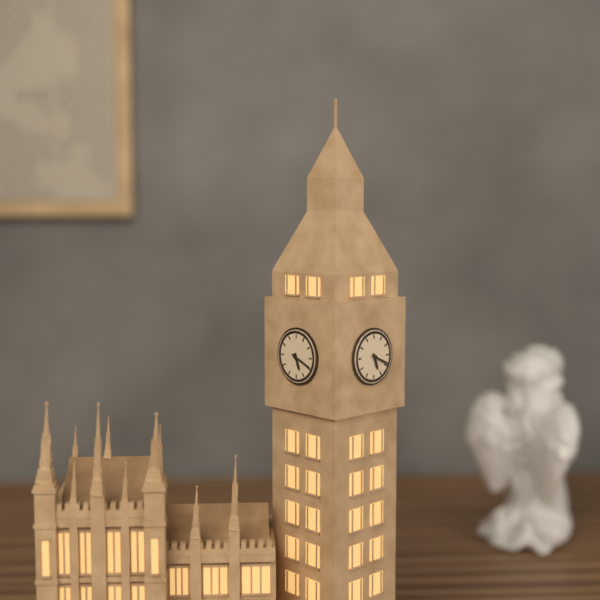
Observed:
5h19
